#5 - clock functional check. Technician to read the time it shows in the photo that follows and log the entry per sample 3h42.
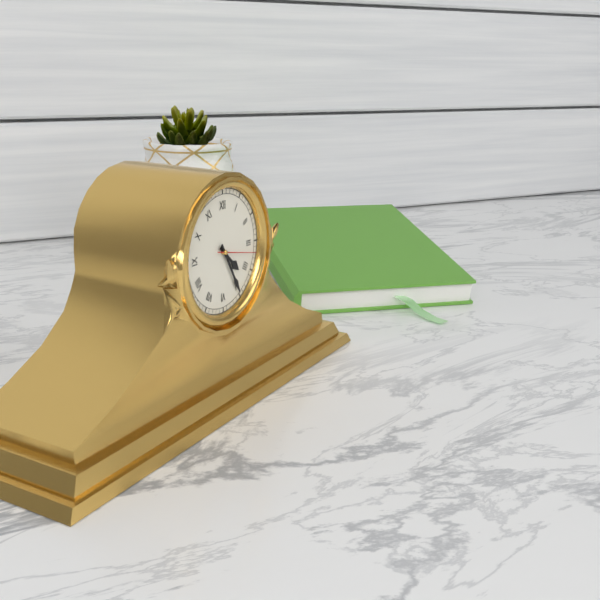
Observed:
4h25
